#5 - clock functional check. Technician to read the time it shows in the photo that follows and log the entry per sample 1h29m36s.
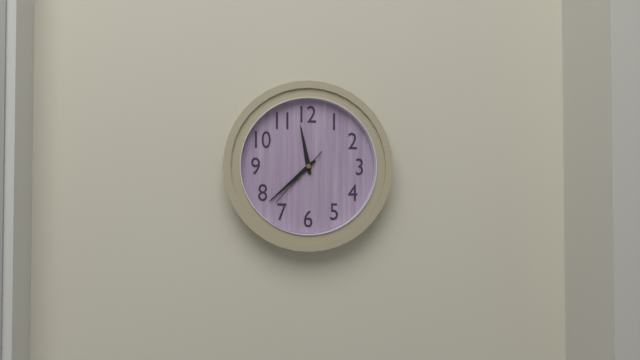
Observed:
11h38m37s
